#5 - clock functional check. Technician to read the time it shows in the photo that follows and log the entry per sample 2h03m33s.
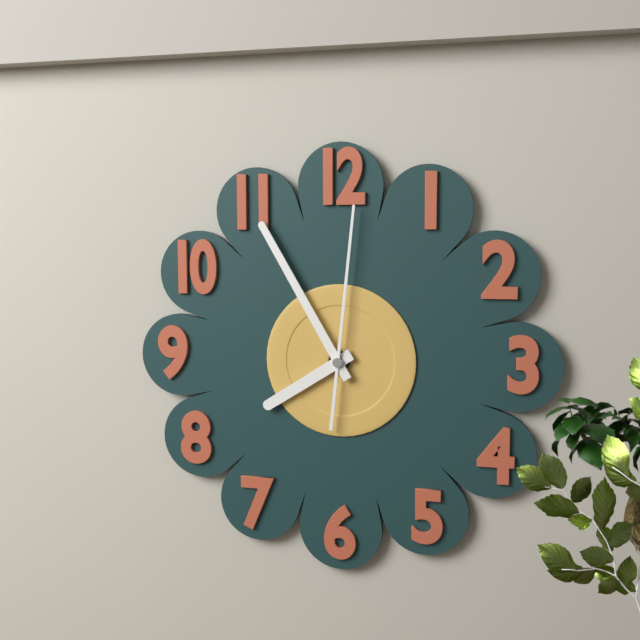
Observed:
7h55m01s
